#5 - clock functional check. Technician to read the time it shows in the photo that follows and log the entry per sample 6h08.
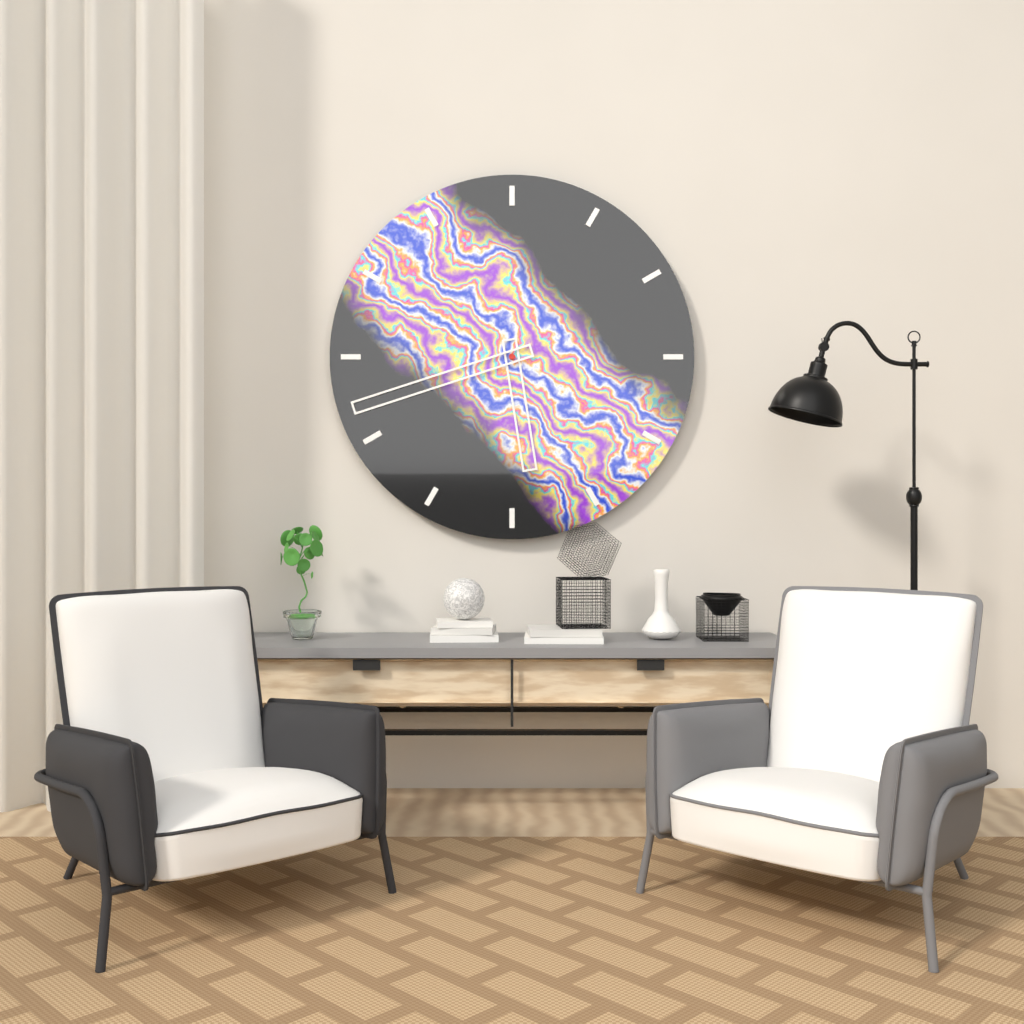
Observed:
5h42
